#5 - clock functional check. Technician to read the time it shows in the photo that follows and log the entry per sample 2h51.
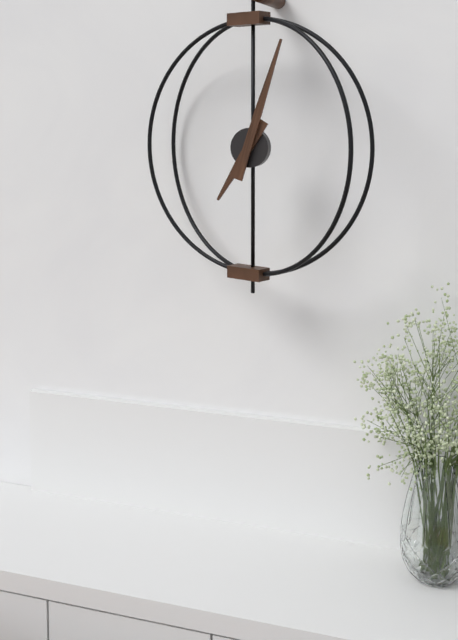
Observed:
7h03
